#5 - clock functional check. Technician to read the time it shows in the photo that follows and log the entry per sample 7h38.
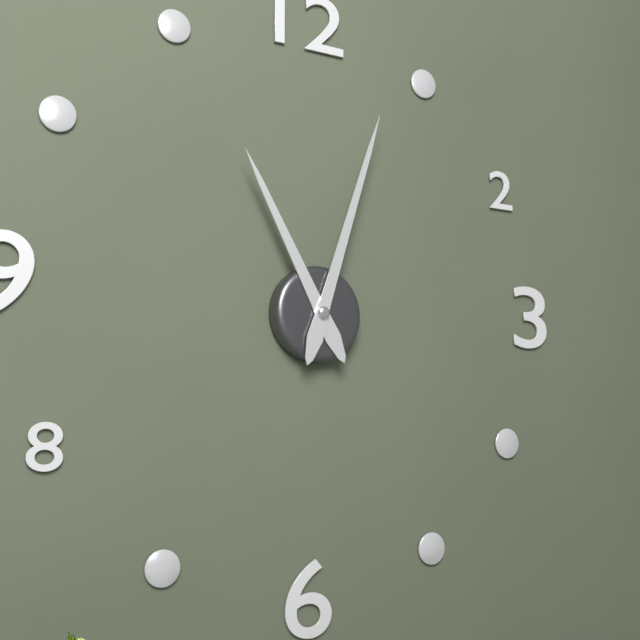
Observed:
11h03
